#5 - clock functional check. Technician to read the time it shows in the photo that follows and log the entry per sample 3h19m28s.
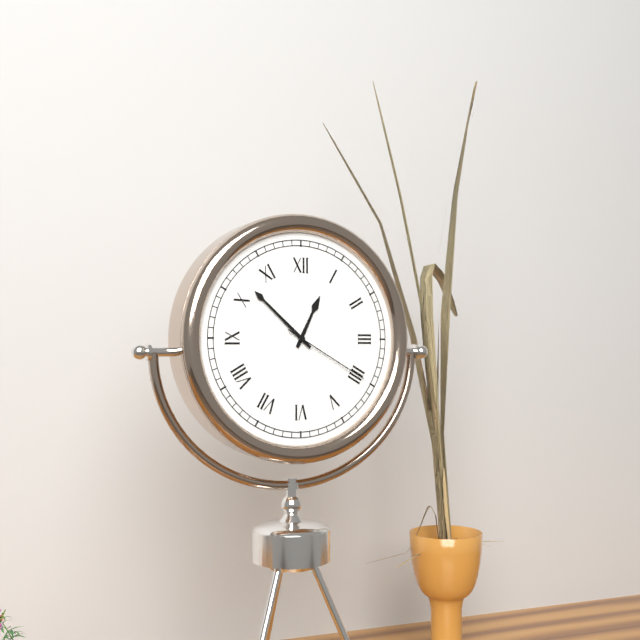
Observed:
12h52m20s
